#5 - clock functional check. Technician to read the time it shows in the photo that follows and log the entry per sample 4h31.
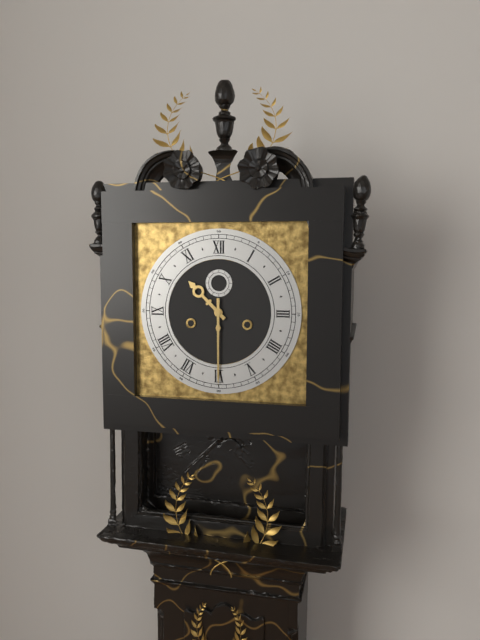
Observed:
10h30
